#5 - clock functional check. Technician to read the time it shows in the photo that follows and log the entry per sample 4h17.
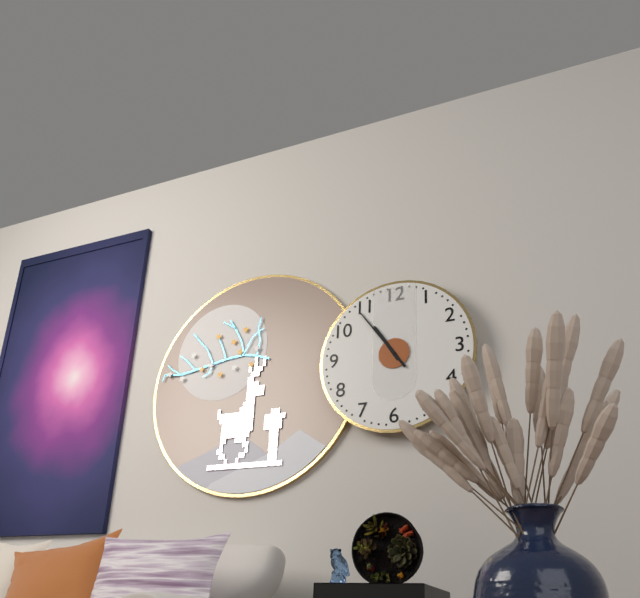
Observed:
10h54
